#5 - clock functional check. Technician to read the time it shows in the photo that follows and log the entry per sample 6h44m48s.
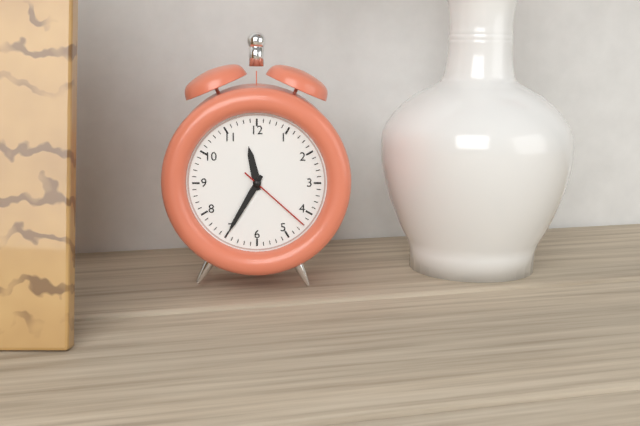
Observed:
11h35m22s
